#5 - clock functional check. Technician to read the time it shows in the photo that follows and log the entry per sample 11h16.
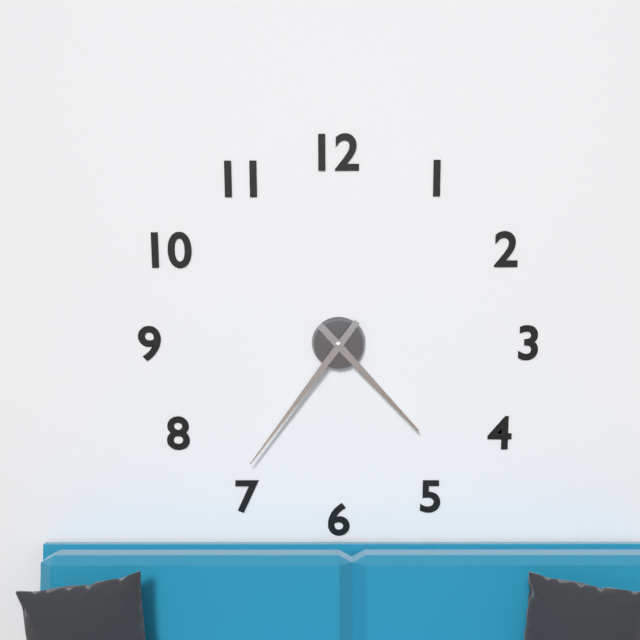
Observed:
4h36
